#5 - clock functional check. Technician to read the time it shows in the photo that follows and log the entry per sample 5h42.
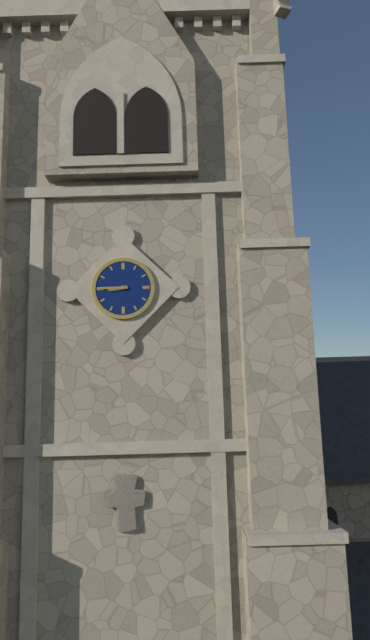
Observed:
8h45
